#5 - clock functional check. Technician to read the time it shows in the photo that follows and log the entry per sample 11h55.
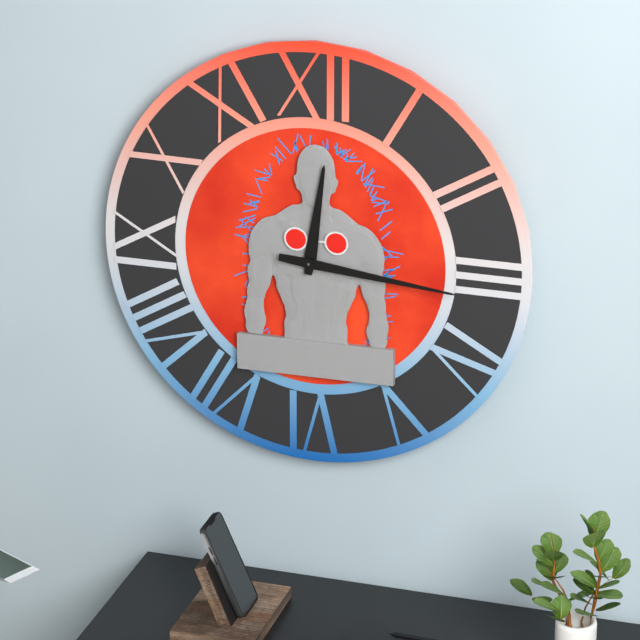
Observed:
12h16
